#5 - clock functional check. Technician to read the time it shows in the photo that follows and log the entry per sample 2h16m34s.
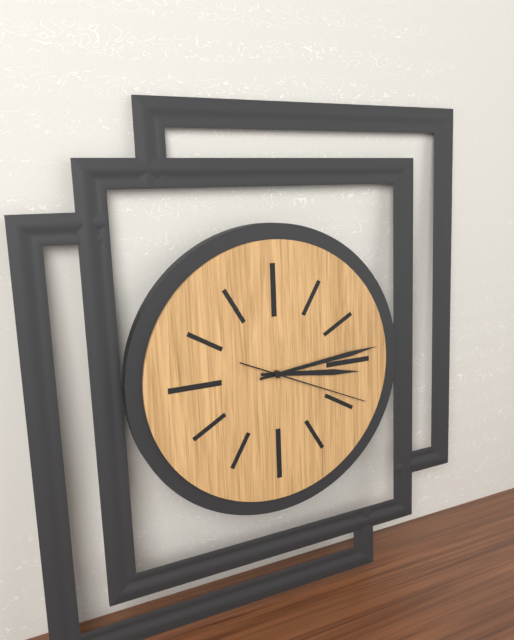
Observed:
3h14m19s
